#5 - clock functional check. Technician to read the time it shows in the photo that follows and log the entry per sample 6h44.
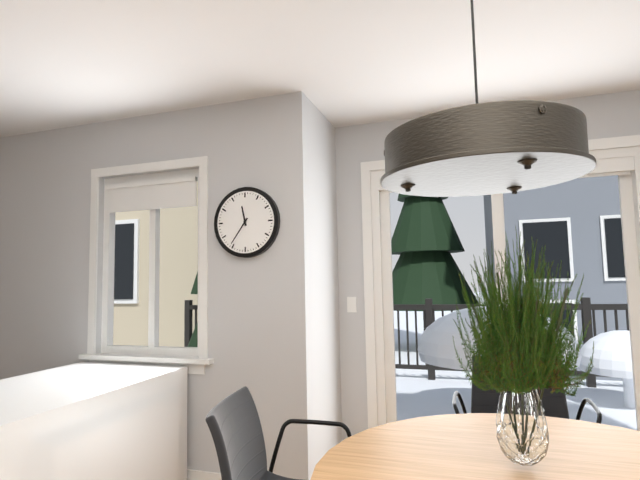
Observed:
11h36
